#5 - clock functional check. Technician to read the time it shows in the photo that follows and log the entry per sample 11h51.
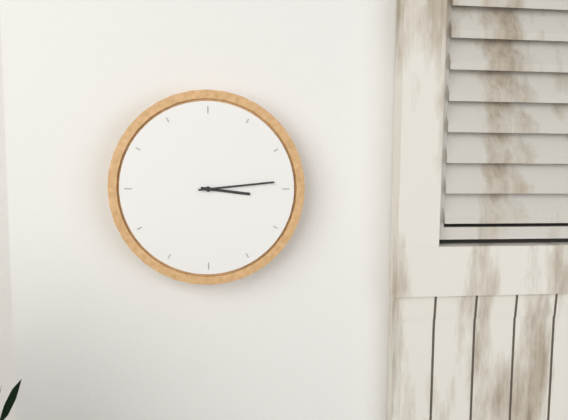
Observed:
3h14
